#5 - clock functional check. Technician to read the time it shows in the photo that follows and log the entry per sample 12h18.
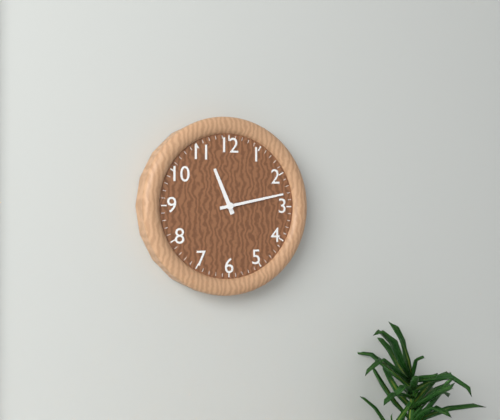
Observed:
11h13
